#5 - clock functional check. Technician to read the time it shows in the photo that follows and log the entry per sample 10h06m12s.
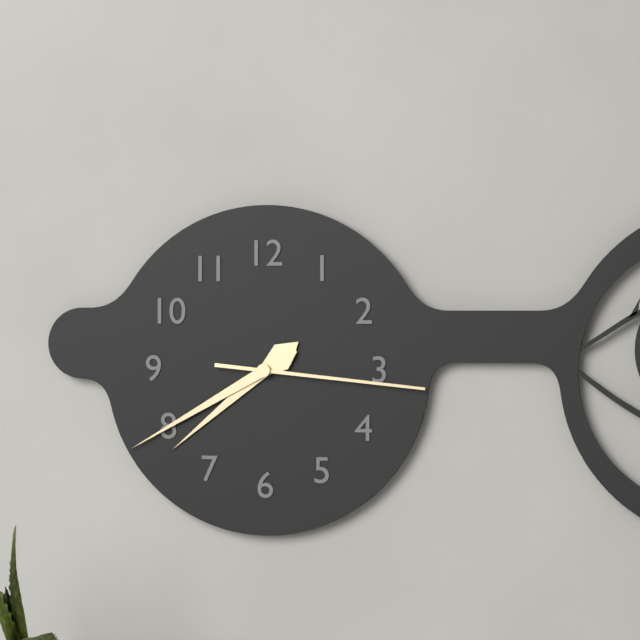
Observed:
7h40m16s
